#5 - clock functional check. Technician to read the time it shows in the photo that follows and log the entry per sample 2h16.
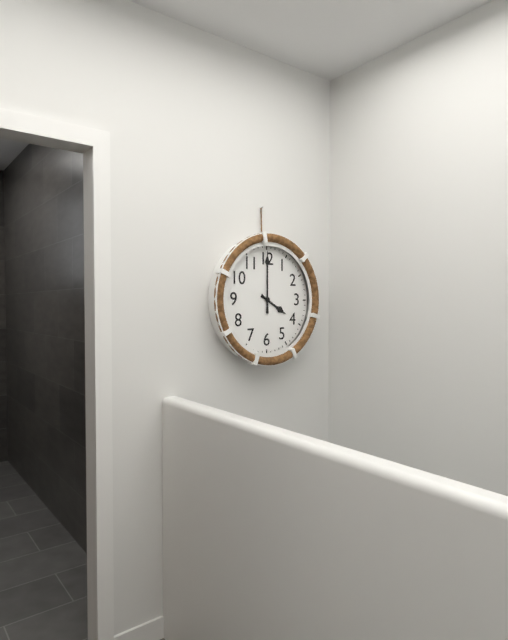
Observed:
4h00
